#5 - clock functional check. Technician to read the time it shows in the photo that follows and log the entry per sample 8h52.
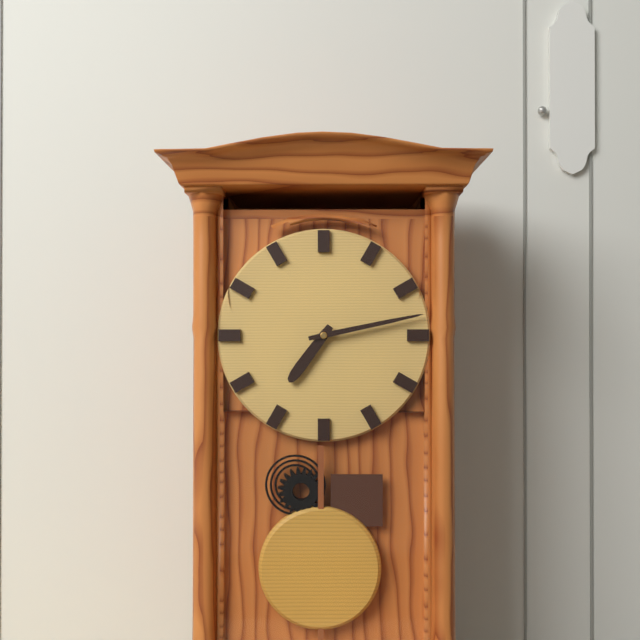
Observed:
7h13
